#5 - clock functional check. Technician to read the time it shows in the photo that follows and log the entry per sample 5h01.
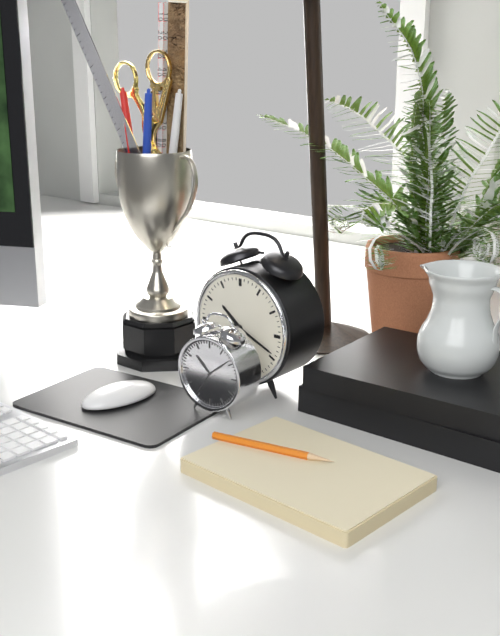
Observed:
10h19
